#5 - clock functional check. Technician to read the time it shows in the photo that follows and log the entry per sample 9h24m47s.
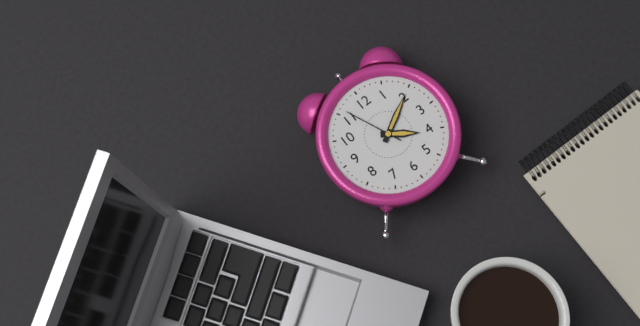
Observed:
4h10m56s
